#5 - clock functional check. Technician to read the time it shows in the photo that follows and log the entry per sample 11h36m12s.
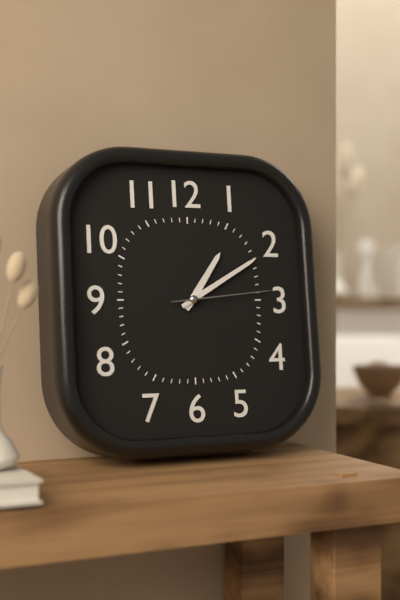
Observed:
1h10m14s
